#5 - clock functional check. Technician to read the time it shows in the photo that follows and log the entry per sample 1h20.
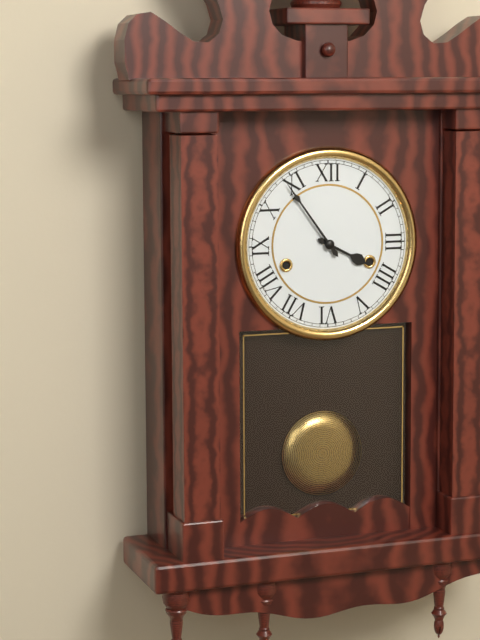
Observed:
3h54
